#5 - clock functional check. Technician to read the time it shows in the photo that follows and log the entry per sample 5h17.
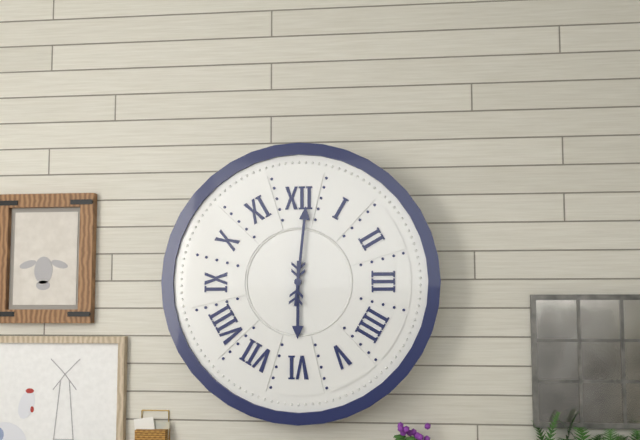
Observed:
6h01
